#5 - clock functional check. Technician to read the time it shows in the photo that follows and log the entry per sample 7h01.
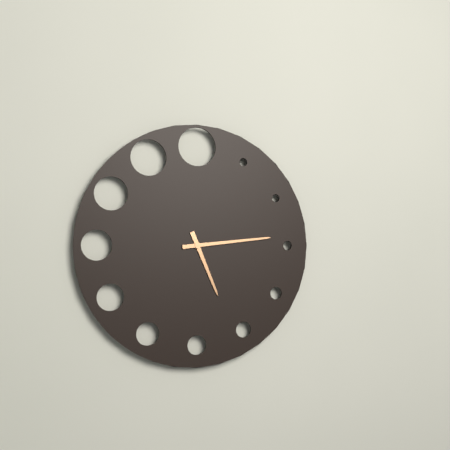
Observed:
5h14
